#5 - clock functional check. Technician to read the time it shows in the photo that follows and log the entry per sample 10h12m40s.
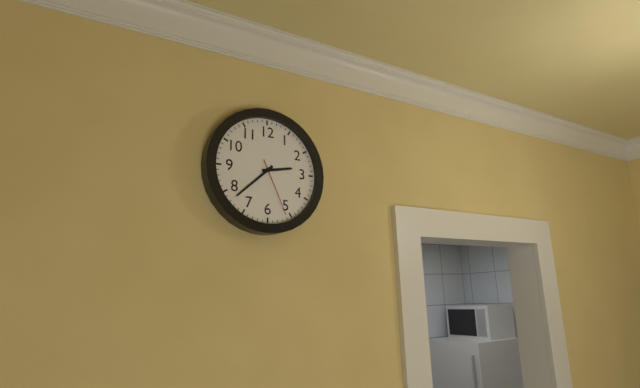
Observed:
2h38m26s
